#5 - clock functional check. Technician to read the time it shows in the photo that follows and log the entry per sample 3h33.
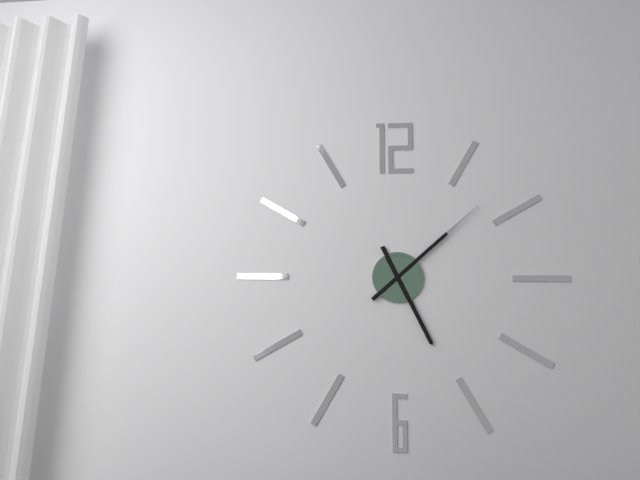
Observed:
5h08
